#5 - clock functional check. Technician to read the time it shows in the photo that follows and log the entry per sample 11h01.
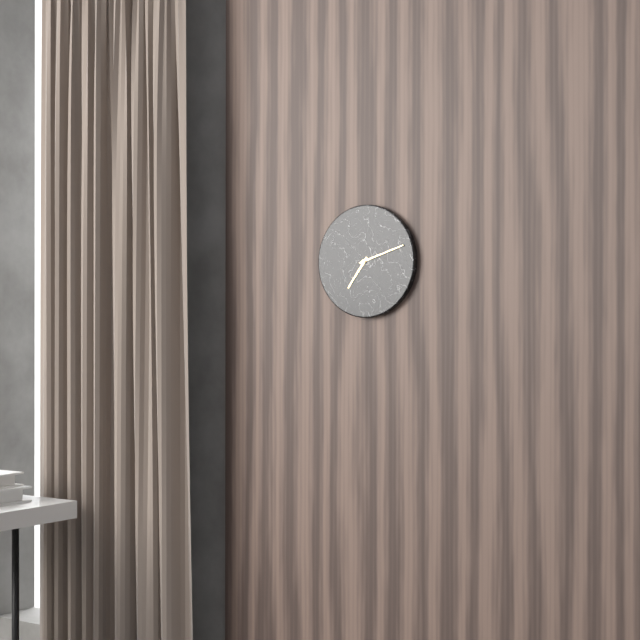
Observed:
7h12
